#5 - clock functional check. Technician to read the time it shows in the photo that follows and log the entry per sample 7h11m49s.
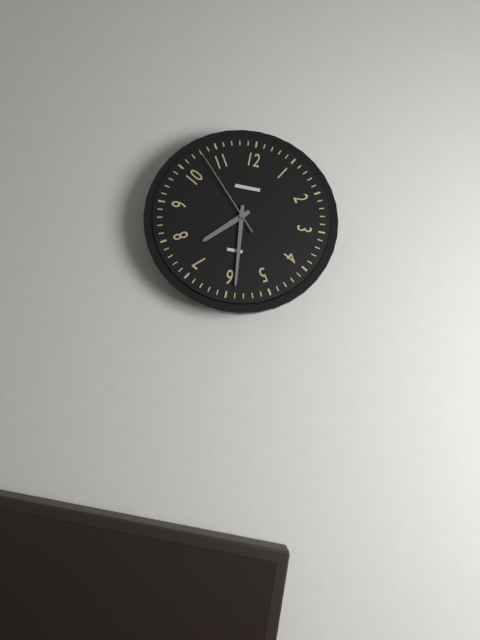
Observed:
7h29m53s
